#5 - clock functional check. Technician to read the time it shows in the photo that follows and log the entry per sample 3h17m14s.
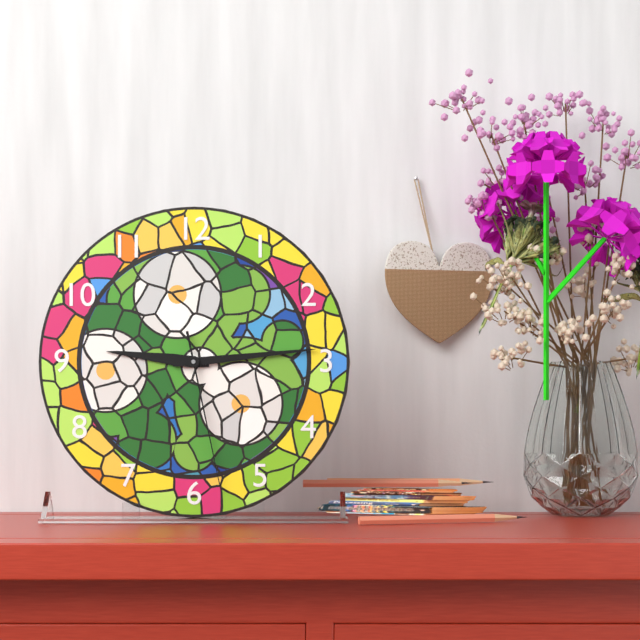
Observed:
9h14m28s
